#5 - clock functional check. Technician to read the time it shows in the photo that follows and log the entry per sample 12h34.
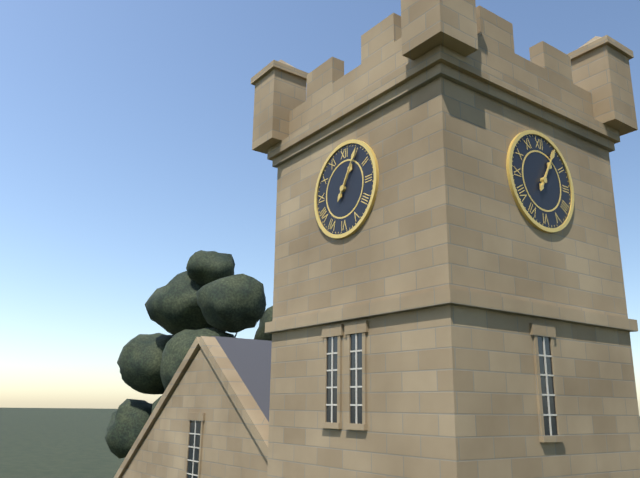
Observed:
1h05
